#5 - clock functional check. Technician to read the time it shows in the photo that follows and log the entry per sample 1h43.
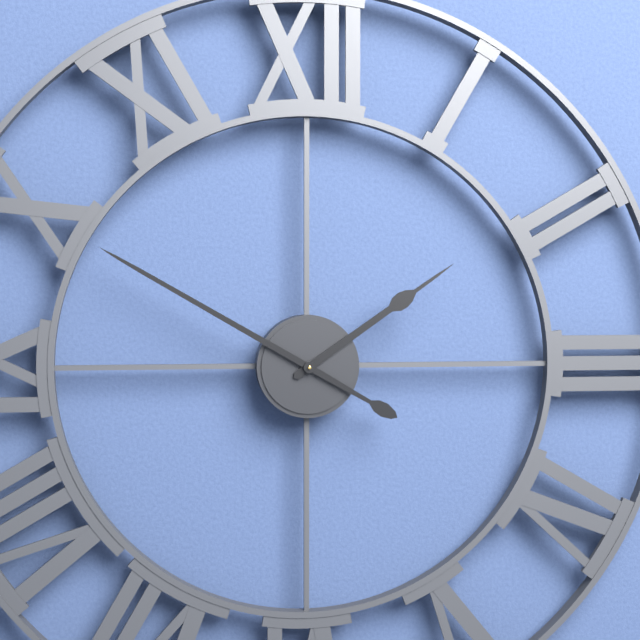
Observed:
1h50
